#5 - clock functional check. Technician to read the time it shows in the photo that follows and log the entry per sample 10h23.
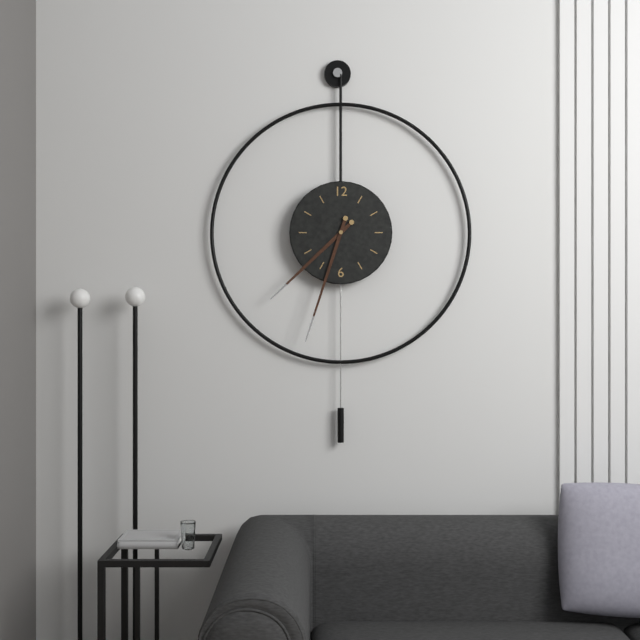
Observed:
7h33
